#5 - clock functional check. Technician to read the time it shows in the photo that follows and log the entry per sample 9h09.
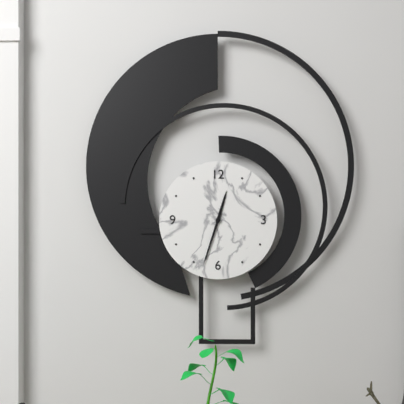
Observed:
12h33
